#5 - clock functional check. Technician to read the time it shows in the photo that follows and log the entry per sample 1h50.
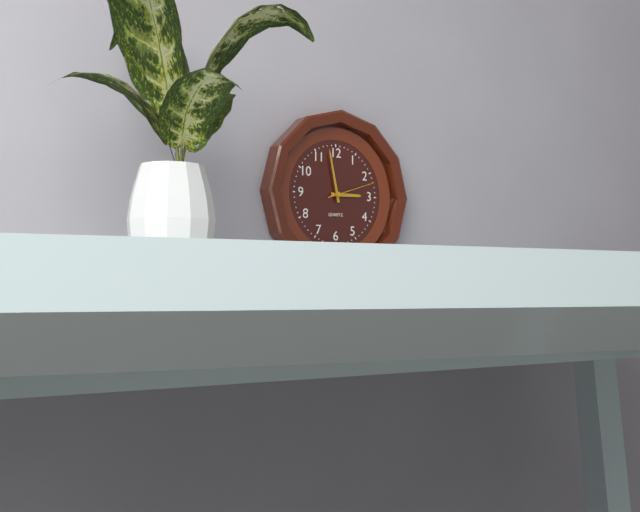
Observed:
2h58
